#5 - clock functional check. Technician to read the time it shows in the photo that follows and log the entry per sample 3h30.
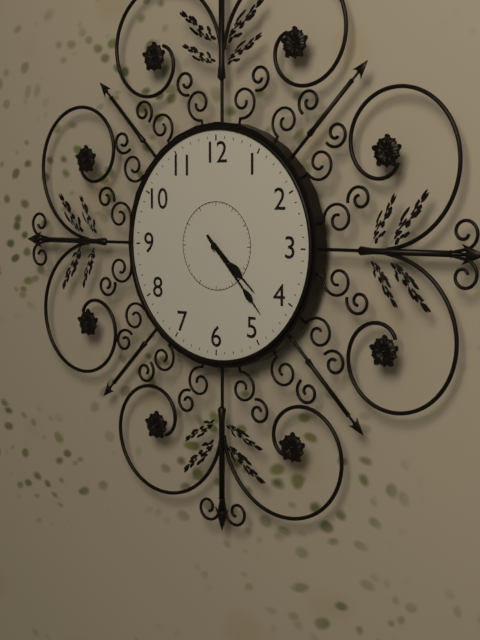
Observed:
4h23
